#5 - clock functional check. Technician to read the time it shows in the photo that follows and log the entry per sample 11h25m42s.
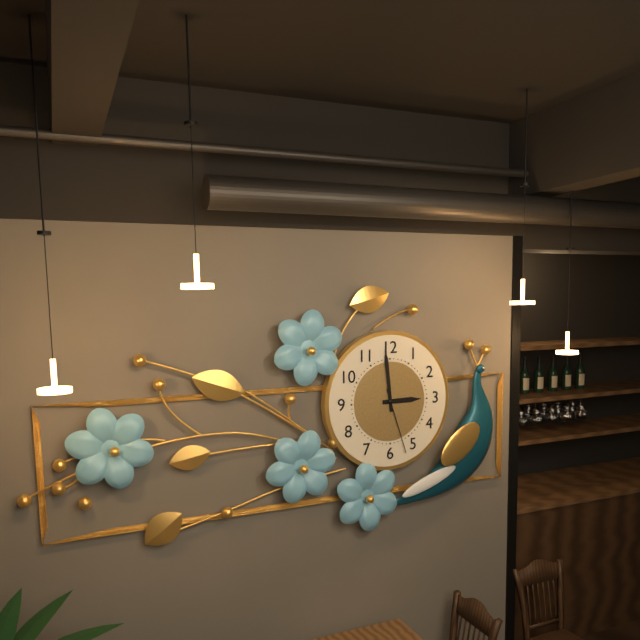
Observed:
2h59m27s
